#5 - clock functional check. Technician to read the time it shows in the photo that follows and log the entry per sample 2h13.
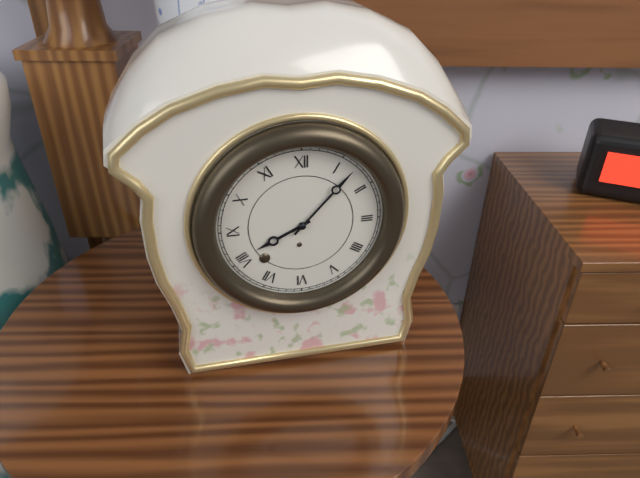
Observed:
8h07
